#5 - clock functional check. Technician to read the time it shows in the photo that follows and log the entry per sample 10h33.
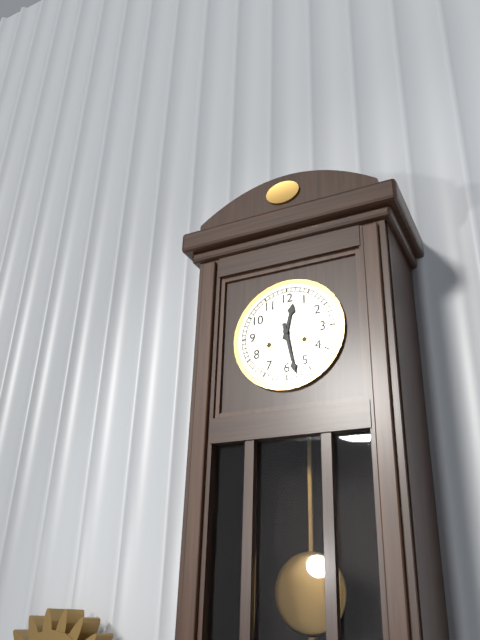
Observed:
12h28
